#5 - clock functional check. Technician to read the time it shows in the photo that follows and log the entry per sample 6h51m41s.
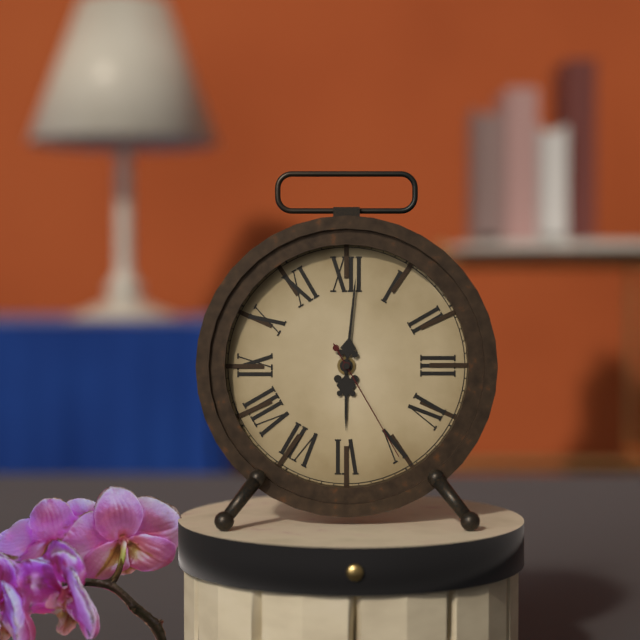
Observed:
6h01m25s
